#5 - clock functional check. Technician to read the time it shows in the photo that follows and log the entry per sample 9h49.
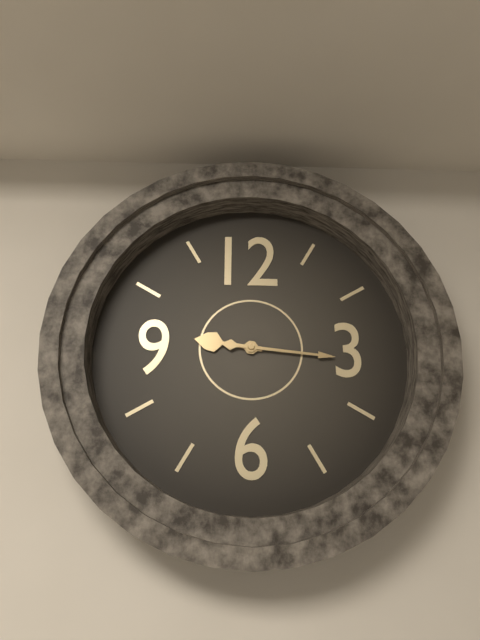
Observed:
9h16
